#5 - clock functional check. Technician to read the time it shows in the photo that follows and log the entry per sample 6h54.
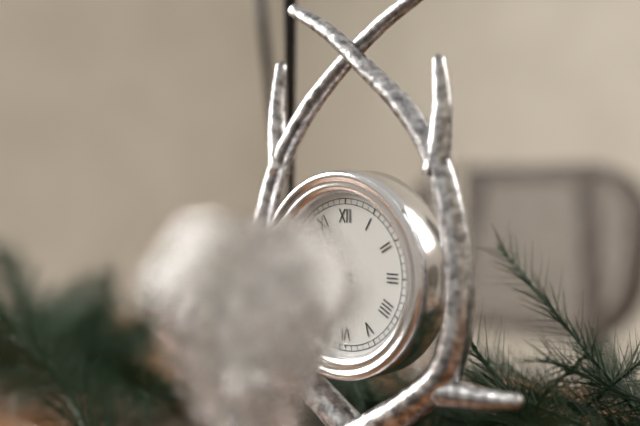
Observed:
8h50
